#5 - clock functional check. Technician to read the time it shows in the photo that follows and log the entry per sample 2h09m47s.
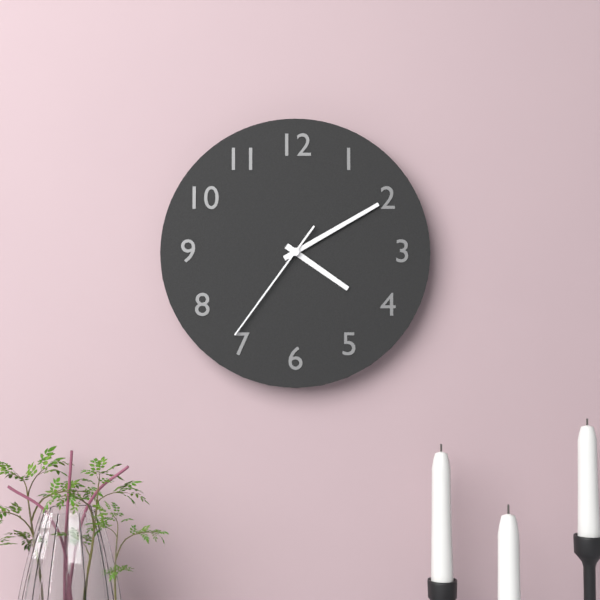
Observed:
4h10m36s
